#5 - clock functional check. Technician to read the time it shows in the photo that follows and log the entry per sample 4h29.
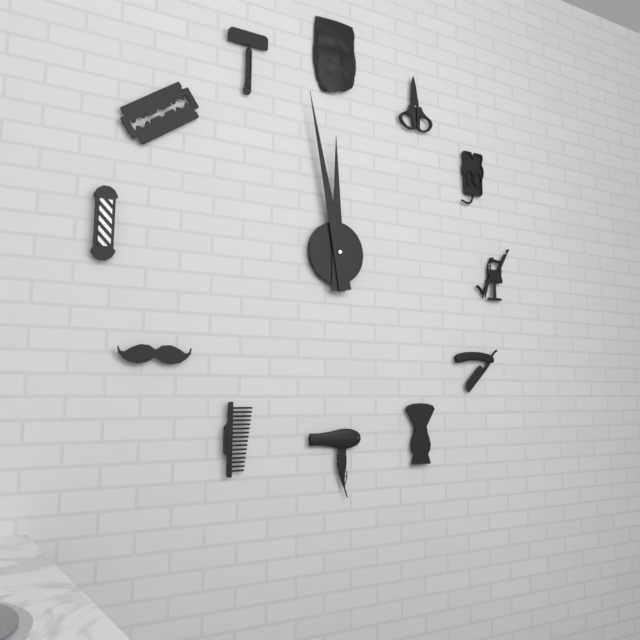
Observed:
11h58
